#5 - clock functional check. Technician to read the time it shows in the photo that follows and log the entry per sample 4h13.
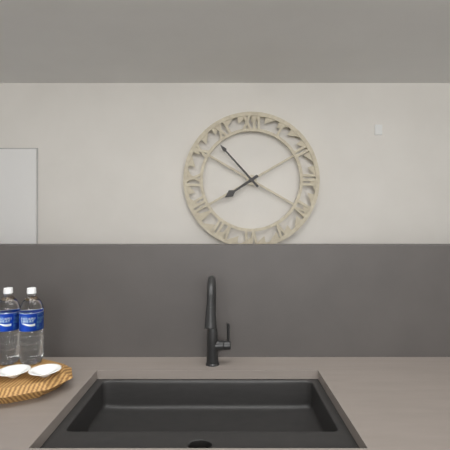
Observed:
7h53
